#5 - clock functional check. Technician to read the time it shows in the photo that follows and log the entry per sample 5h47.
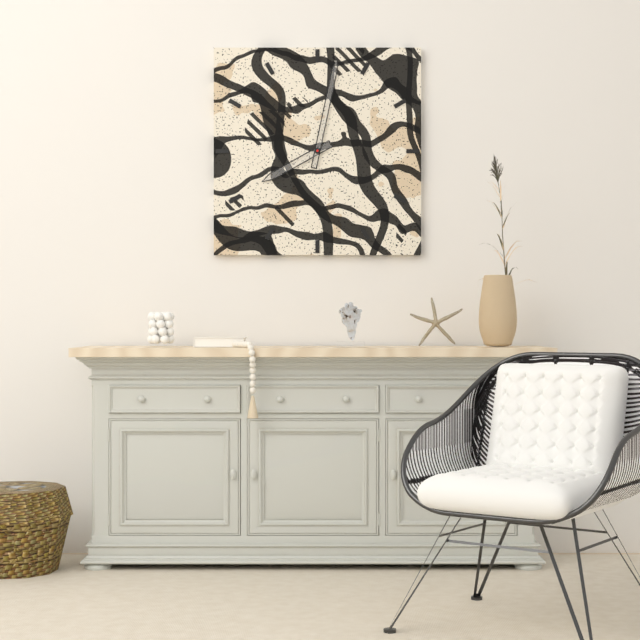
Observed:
8h02
